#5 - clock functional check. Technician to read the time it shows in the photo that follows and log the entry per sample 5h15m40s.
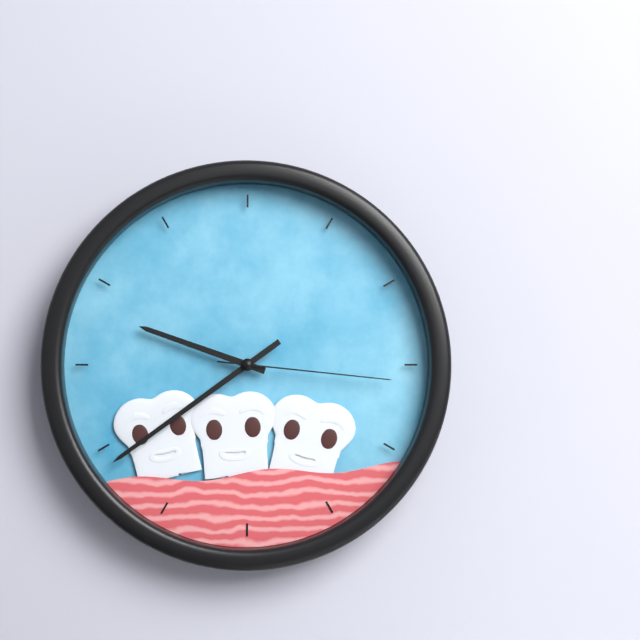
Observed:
9h39m16s
